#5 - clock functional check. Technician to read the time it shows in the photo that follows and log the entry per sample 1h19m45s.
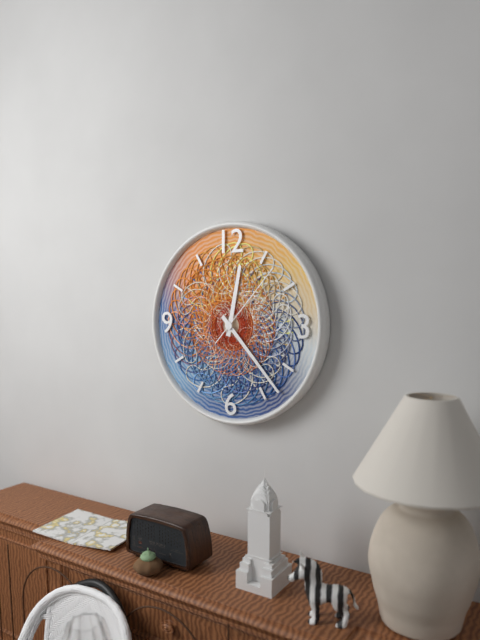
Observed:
12h23m07s
